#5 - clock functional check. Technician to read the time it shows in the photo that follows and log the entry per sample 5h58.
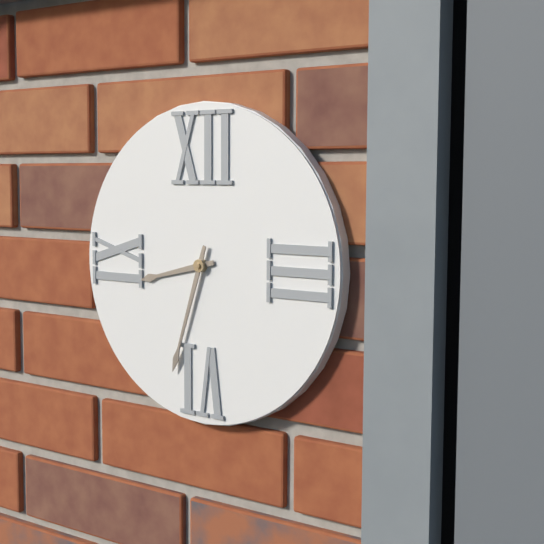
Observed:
8h33
